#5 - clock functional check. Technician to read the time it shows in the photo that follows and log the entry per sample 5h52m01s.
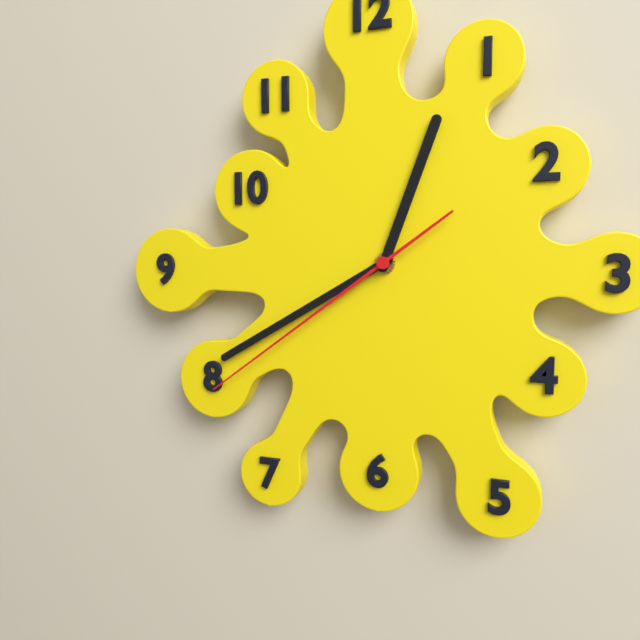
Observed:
12h40m39s
